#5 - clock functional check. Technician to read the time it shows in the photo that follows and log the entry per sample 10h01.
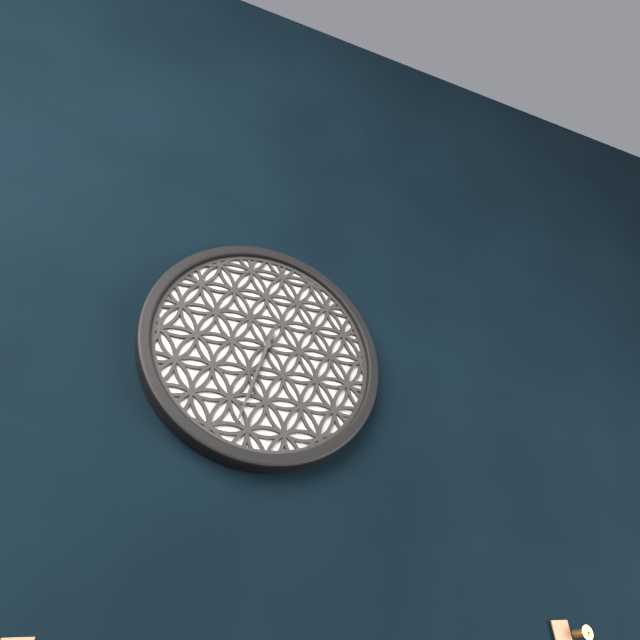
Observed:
6h33
